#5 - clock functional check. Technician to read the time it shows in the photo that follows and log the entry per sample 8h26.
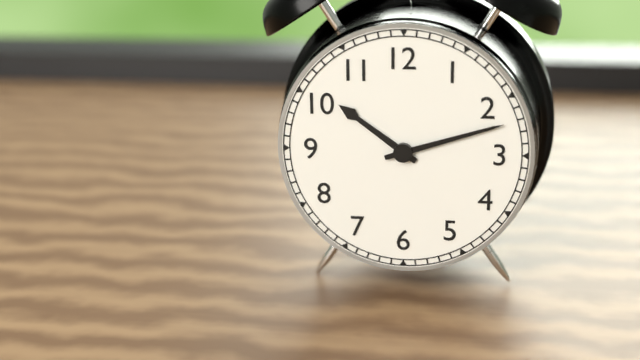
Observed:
10h12
